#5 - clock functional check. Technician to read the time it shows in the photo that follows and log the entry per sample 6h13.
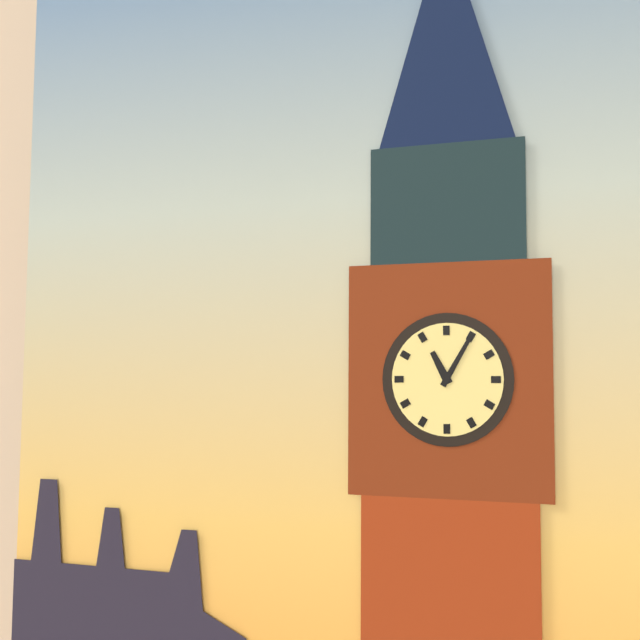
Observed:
11h05
